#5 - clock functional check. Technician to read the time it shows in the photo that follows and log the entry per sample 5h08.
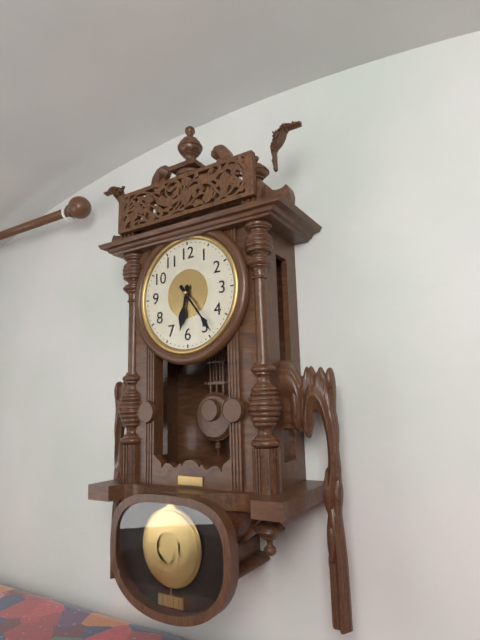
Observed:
6h24
